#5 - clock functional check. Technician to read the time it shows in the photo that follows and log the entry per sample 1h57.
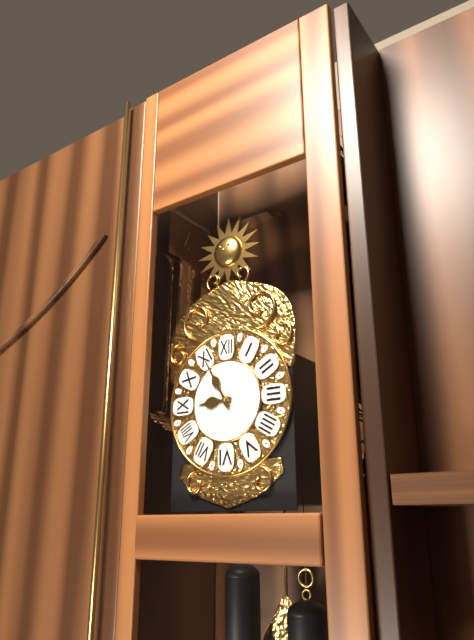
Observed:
8h55
